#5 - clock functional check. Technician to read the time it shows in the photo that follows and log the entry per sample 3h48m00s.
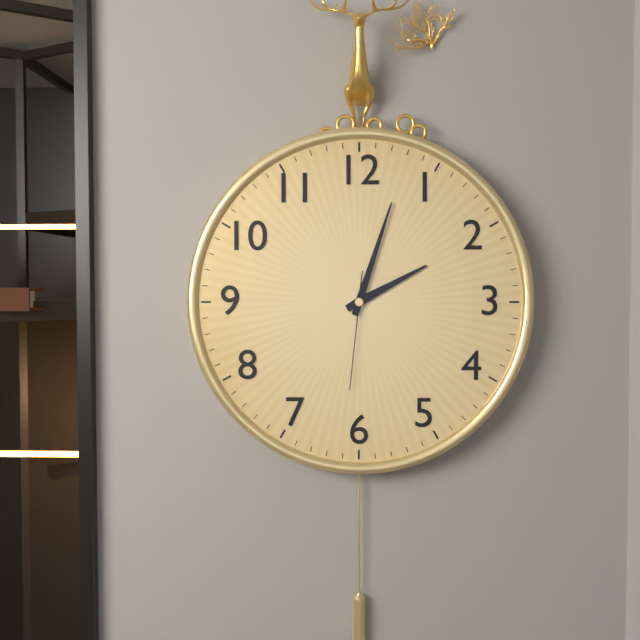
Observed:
2h03m31s
